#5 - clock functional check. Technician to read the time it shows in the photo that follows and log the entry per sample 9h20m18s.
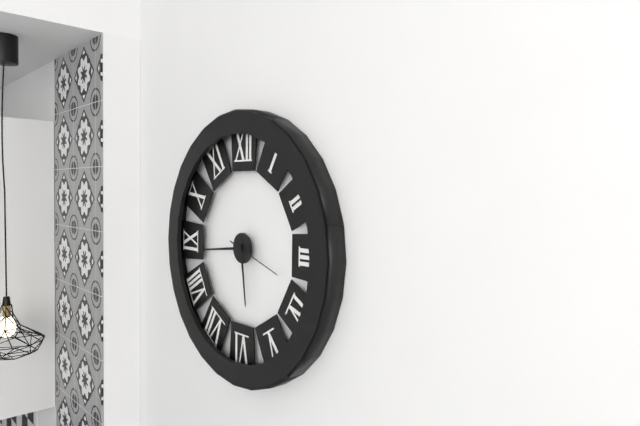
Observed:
5h44m18s
